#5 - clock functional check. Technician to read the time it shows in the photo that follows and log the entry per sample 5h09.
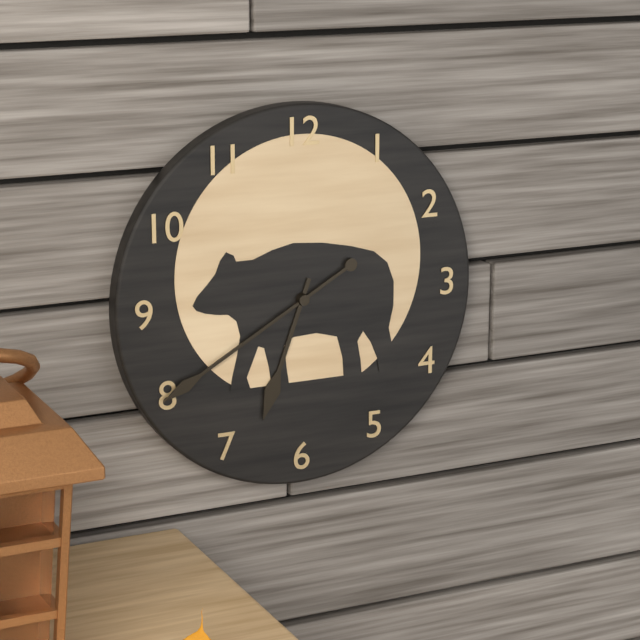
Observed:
6h40
